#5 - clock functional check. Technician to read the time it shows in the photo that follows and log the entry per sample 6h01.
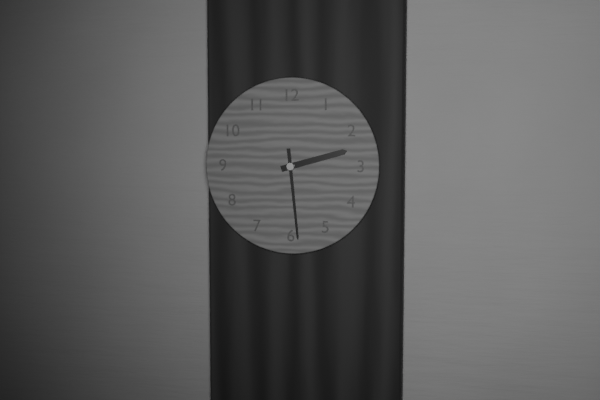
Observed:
2h29
